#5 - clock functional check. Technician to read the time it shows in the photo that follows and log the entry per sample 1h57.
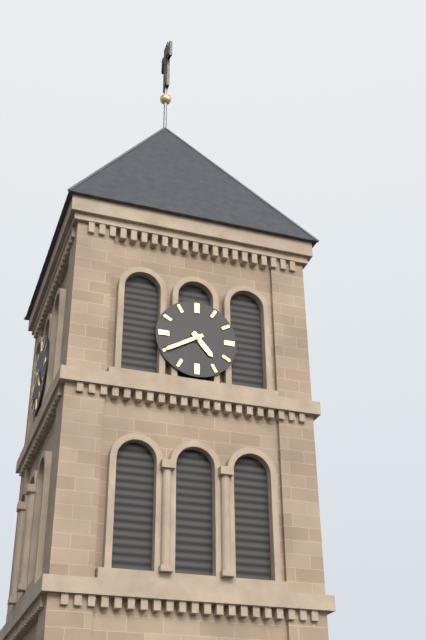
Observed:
4h40
